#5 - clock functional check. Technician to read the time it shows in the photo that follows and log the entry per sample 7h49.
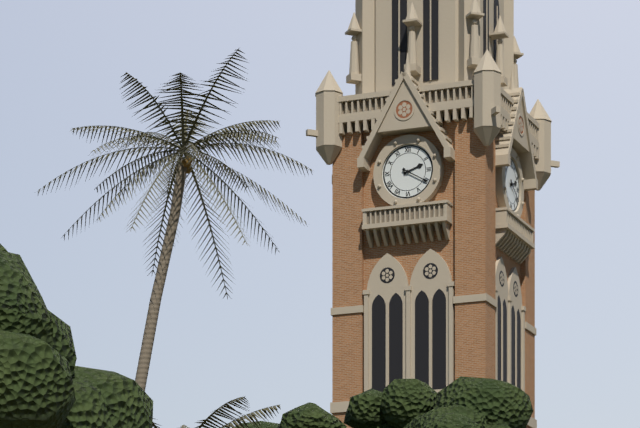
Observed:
2h20
